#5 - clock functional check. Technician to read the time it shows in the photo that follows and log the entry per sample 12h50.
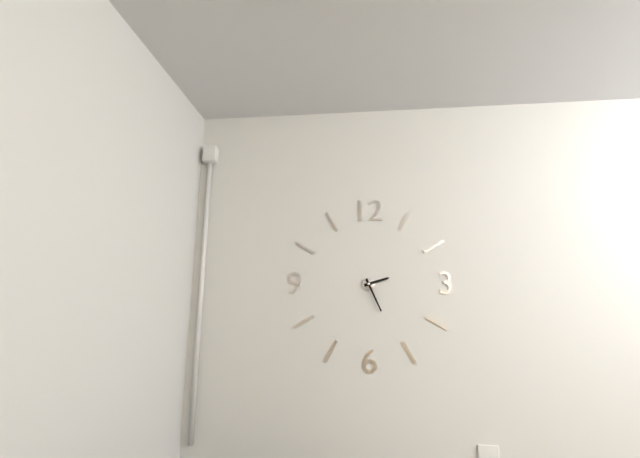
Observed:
2h26
